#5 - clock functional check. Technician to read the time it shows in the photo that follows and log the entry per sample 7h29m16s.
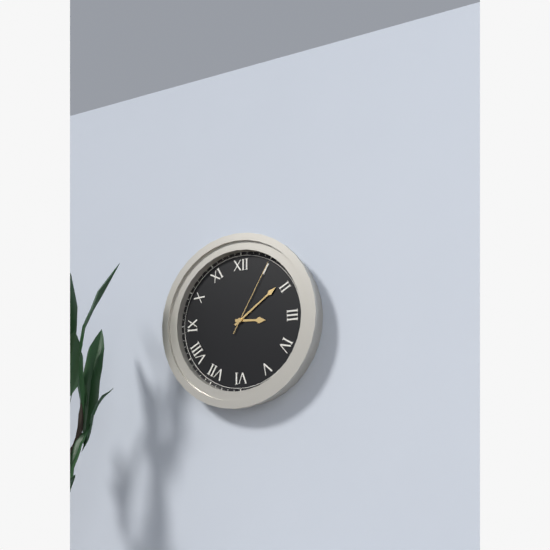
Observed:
3h09m05s
